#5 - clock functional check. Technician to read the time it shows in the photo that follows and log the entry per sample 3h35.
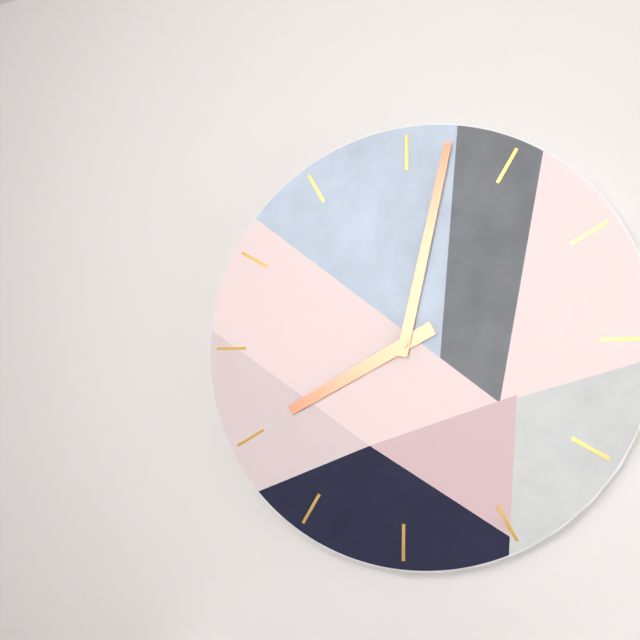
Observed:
8h02
